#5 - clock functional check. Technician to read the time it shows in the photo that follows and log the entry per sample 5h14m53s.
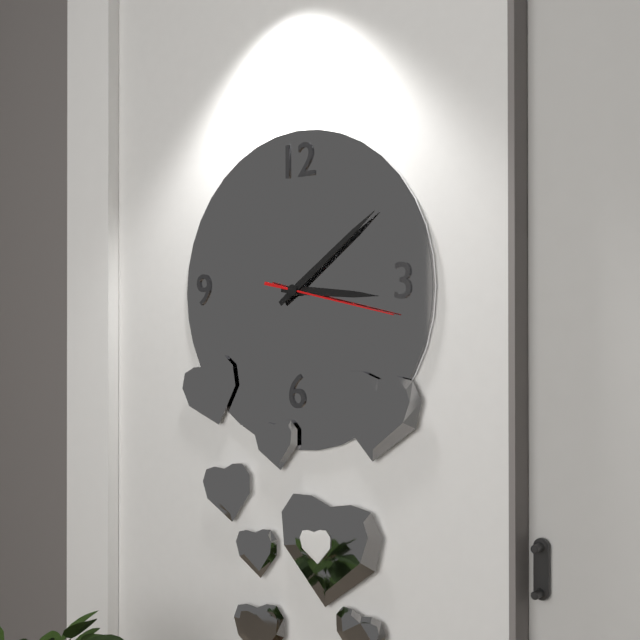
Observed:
3h09m17s
